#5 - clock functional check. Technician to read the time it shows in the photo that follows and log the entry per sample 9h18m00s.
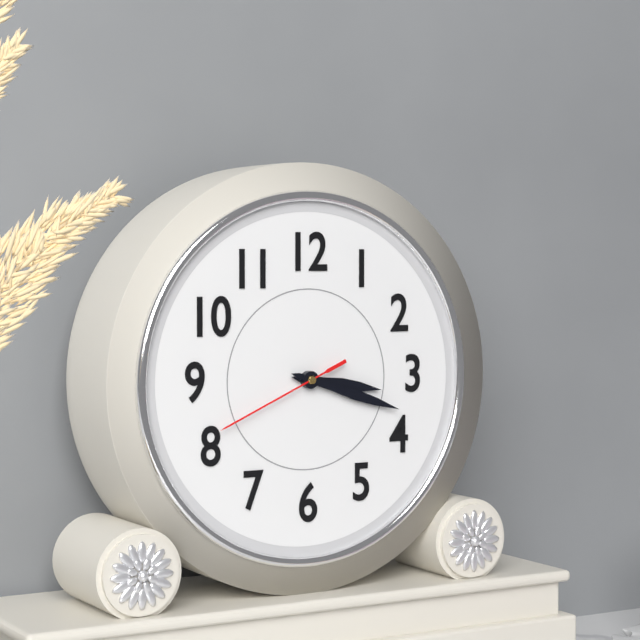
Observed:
3h18m41s
